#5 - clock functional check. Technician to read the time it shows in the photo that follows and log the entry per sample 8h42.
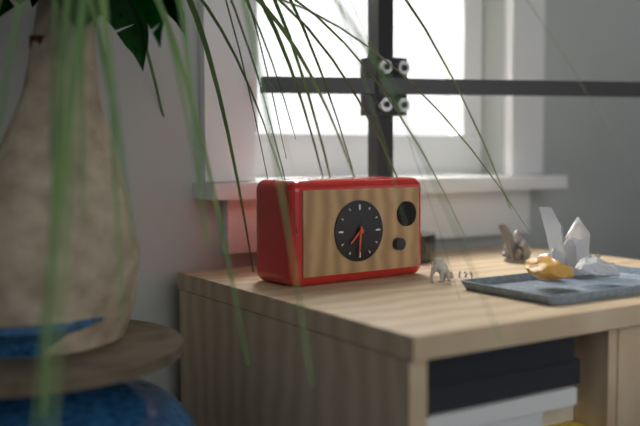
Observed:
7h31
